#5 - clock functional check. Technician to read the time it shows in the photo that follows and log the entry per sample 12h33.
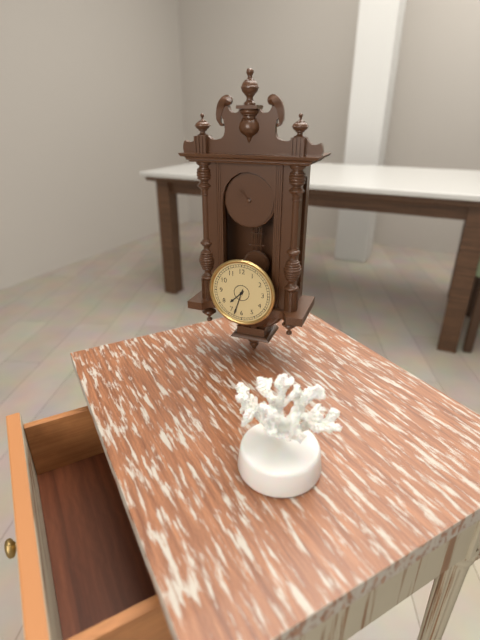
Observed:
7h33
